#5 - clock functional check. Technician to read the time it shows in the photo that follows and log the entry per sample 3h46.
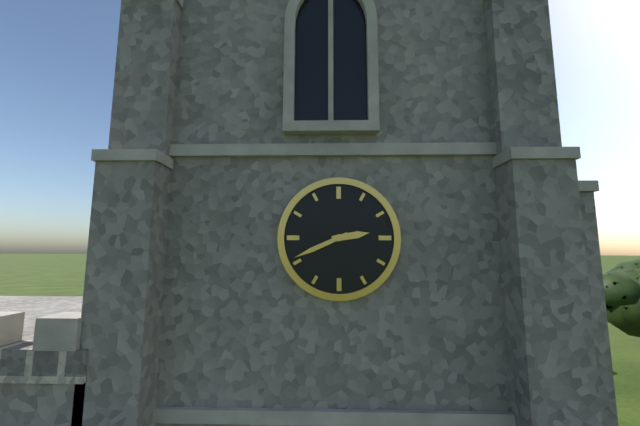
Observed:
2h41
